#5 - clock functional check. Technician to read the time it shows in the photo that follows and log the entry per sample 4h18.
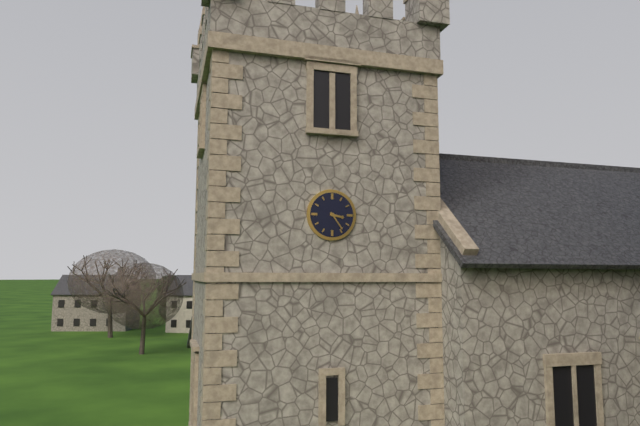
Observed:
3h24
